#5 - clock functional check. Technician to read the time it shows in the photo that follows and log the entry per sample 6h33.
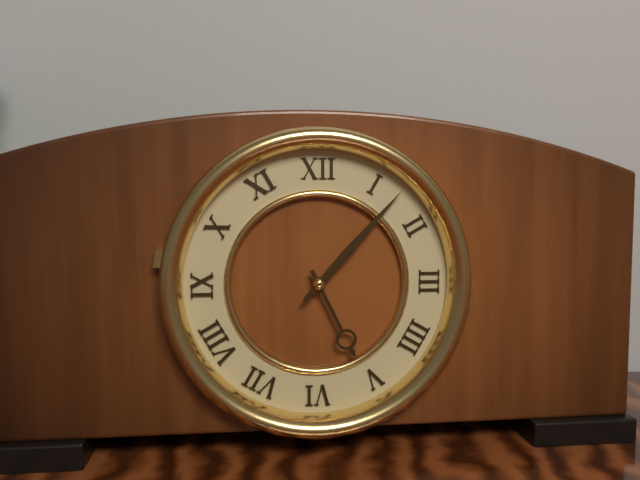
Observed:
5h07
